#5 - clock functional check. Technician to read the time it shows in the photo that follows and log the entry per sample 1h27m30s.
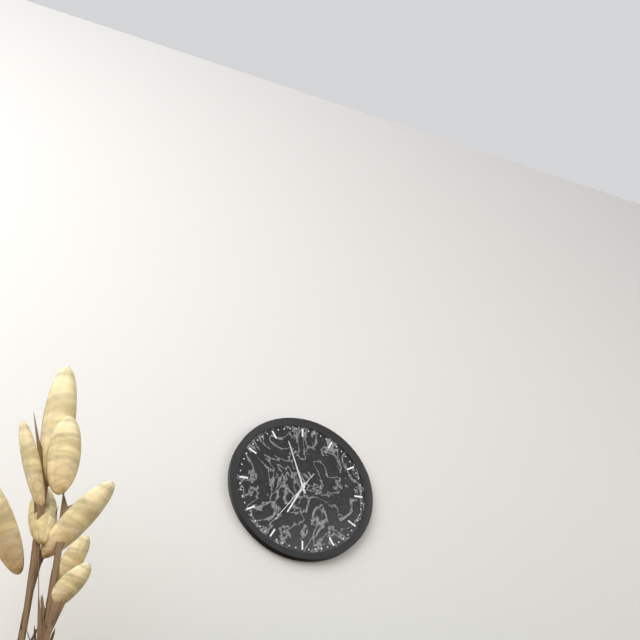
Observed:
6h57m36s
